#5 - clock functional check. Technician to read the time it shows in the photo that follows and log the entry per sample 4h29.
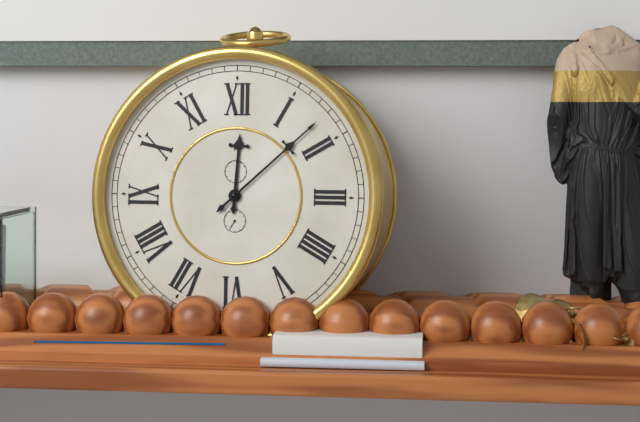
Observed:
12h08
